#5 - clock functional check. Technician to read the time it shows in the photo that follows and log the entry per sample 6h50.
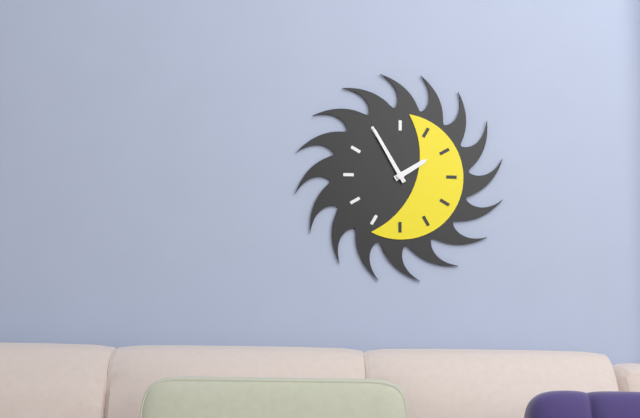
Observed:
1h55
